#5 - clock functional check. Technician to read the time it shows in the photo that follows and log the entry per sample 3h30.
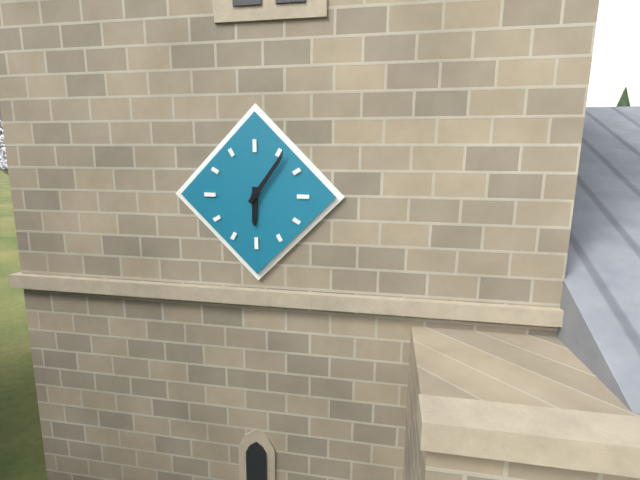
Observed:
6h06
